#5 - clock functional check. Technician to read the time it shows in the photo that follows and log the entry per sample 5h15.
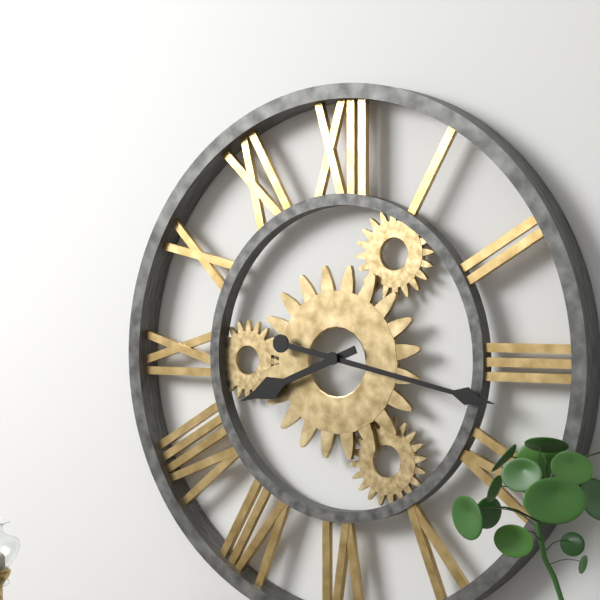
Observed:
8h17
